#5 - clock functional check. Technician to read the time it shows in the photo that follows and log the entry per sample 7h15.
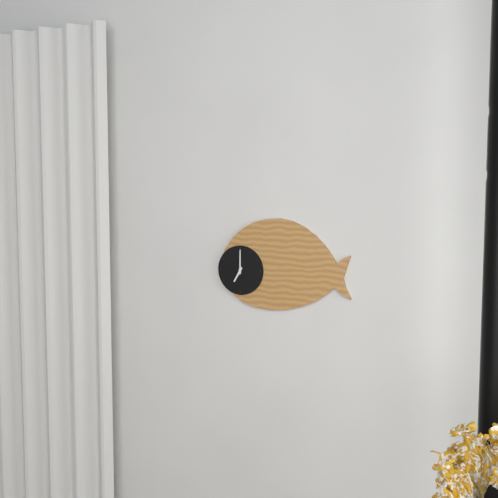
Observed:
7h00
